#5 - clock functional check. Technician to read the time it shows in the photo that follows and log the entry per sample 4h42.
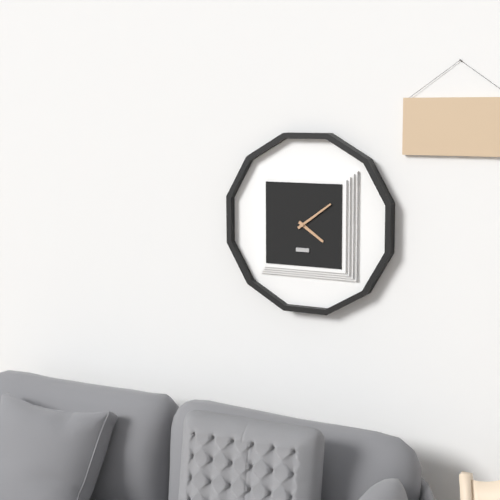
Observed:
4h09
